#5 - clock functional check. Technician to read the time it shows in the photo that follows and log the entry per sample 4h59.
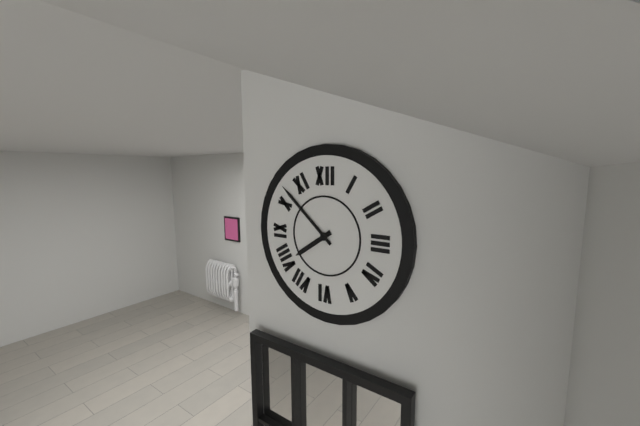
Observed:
7h52
